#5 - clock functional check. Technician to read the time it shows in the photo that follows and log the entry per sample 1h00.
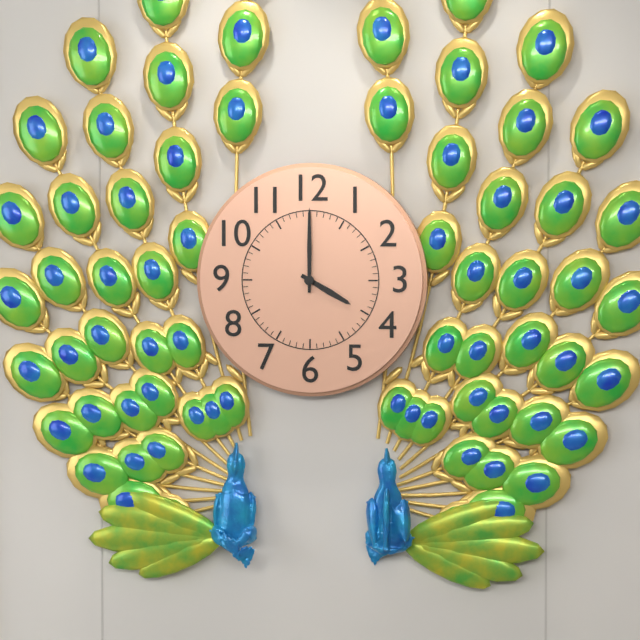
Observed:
4h00
